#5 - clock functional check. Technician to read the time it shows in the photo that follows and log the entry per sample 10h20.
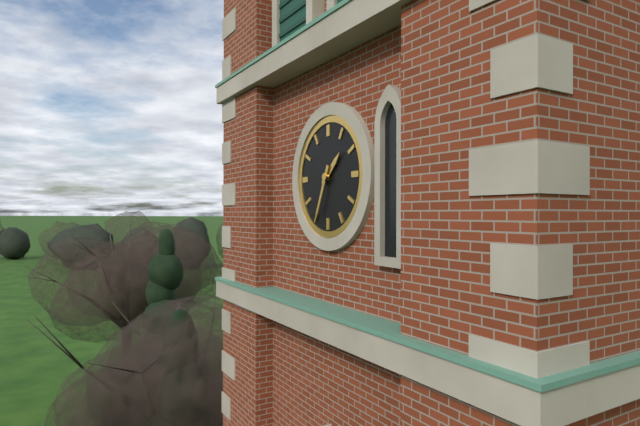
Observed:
1h34
